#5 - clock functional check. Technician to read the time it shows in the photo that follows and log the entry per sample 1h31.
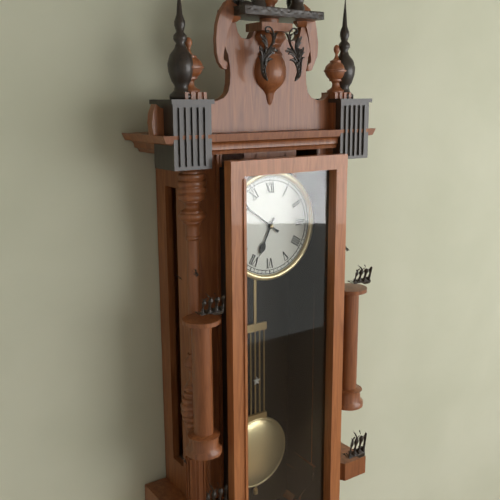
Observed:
6h51
